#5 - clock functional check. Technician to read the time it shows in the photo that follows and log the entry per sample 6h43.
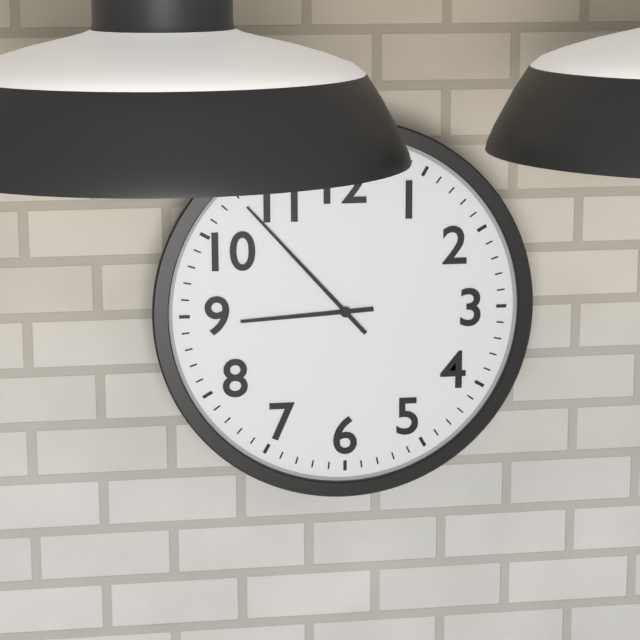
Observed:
8h53
